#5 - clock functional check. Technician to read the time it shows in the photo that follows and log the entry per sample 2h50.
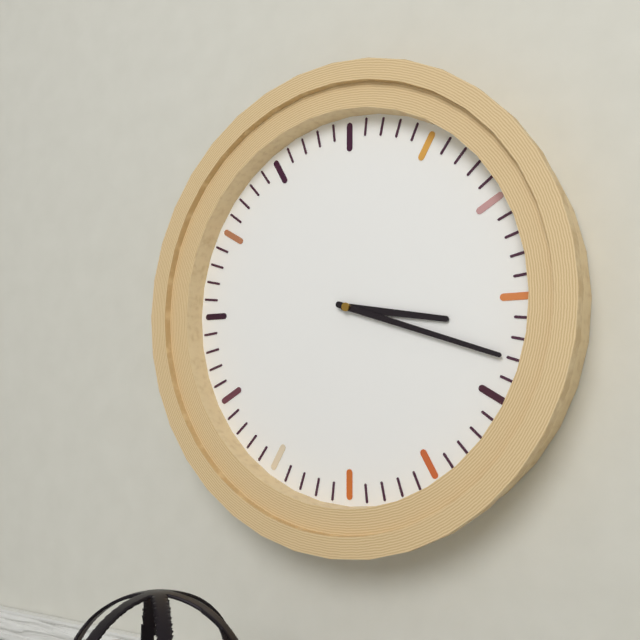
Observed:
3h18
